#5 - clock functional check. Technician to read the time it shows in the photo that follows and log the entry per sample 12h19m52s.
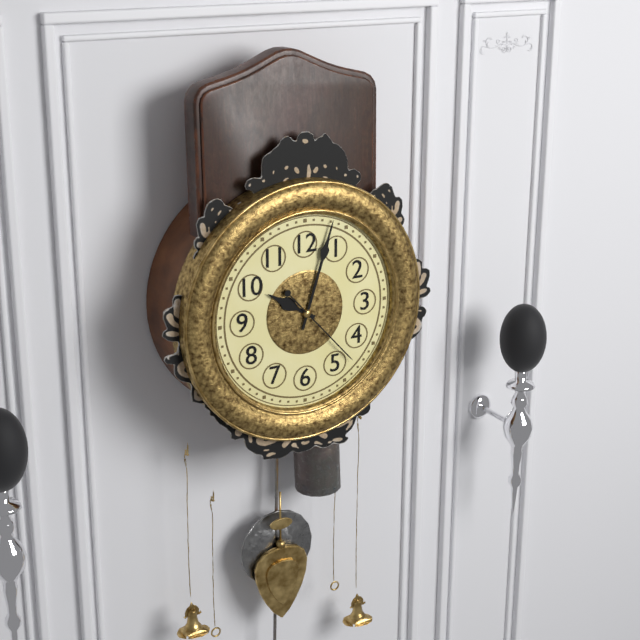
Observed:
10h03m23s
